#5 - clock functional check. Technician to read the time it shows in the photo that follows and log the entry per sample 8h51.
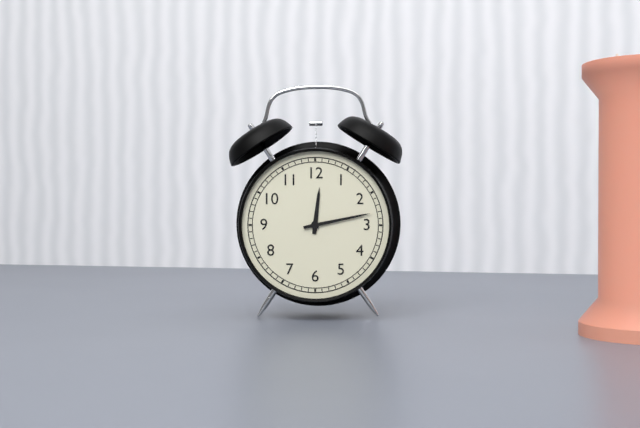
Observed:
12h13
